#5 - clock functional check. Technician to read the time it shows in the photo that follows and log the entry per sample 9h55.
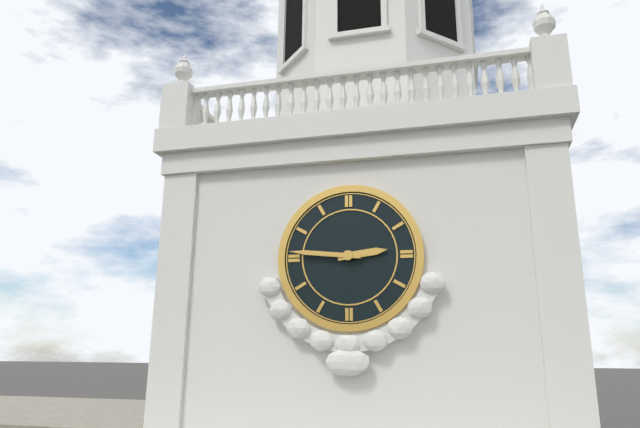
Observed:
2h46
